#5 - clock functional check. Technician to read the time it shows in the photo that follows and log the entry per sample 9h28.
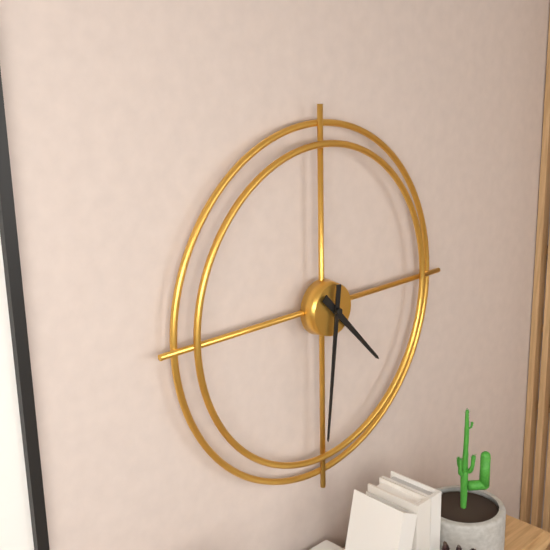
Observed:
4h31
